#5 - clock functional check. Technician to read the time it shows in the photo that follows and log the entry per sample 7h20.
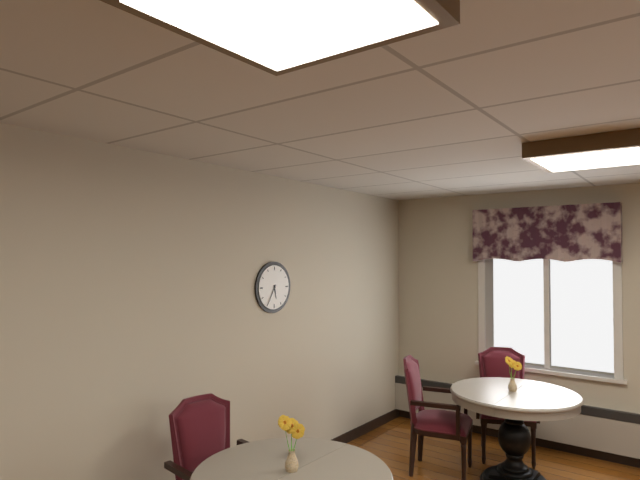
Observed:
5h35
